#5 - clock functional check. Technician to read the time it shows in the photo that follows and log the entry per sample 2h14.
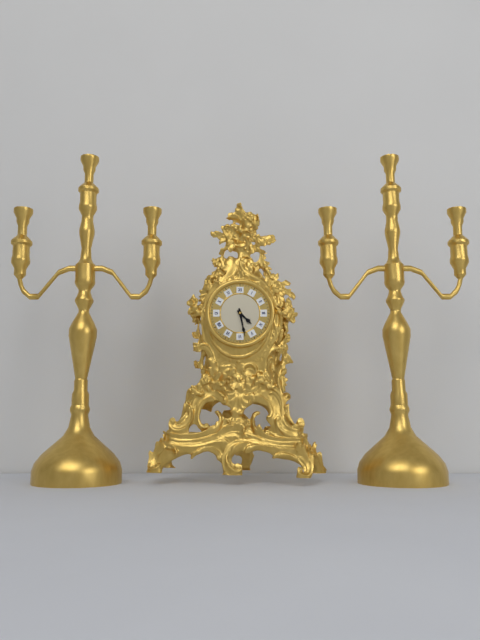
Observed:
4h28
